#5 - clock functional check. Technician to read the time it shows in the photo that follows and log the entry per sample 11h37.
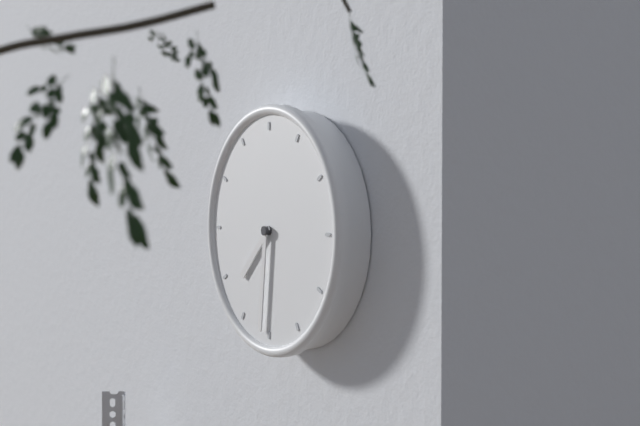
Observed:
7h31
